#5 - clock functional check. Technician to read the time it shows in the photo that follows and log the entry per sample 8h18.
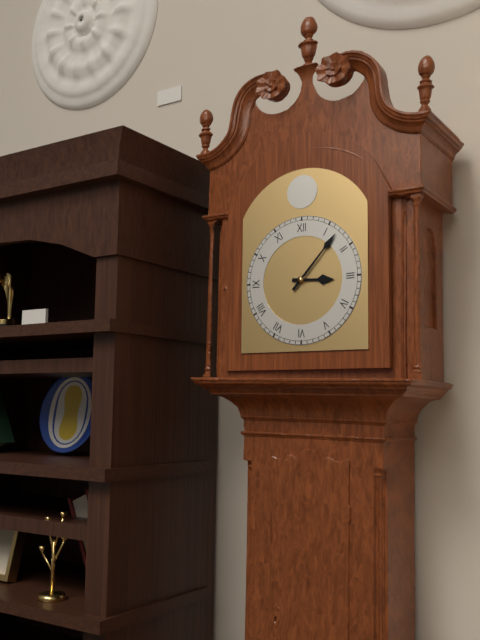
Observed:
3h07
